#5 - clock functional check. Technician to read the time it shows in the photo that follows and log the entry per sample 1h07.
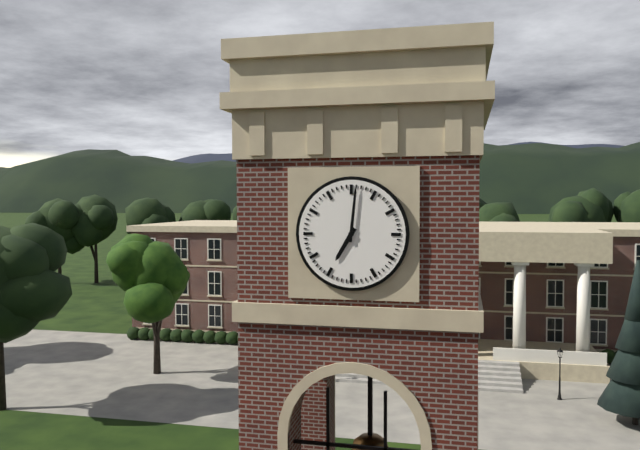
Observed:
7h01
